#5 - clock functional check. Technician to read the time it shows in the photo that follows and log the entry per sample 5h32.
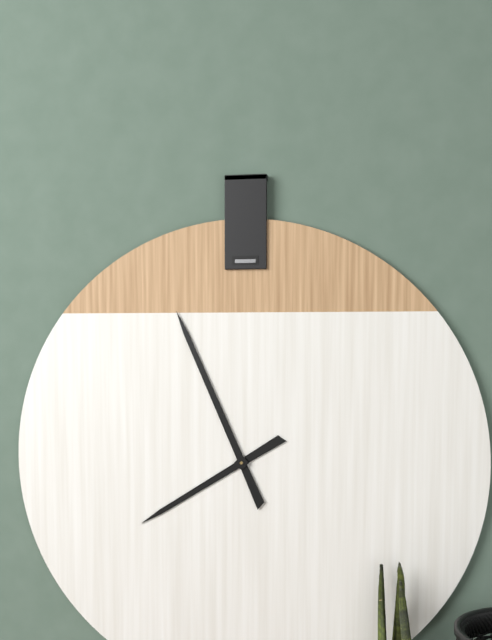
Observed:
7h56
